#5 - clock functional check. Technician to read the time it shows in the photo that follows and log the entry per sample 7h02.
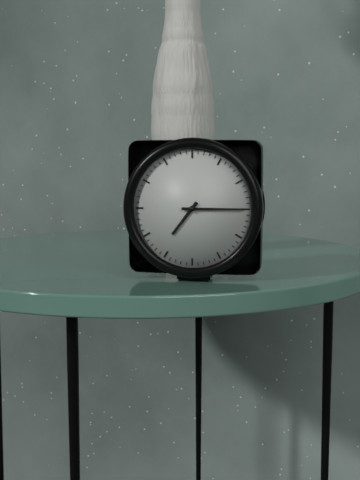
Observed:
7h15
